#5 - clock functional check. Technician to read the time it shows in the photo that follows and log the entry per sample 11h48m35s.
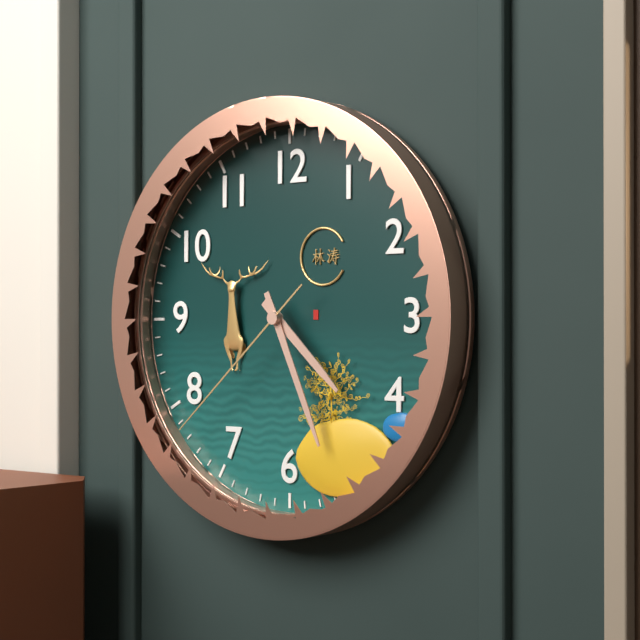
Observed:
4h26m38s
